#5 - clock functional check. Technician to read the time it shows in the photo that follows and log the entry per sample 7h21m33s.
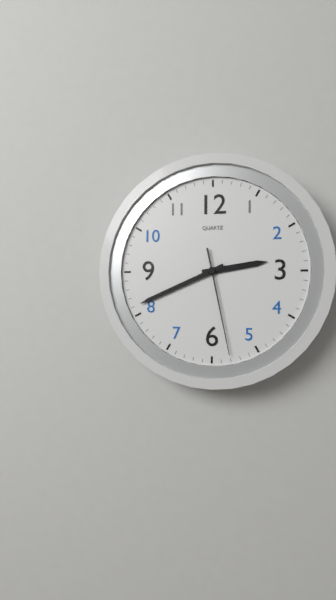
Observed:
2h41m28s
